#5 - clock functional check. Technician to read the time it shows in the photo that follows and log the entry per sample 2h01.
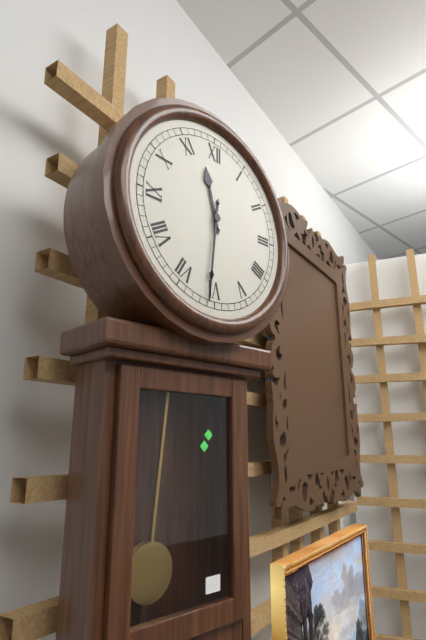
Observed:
11h31
